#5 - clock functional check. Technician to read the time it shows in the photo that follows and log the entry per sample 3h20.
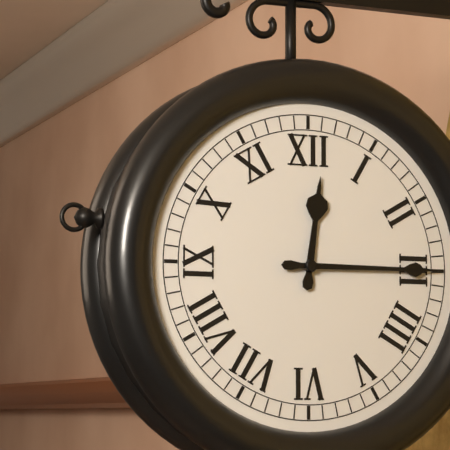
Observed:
12h15
